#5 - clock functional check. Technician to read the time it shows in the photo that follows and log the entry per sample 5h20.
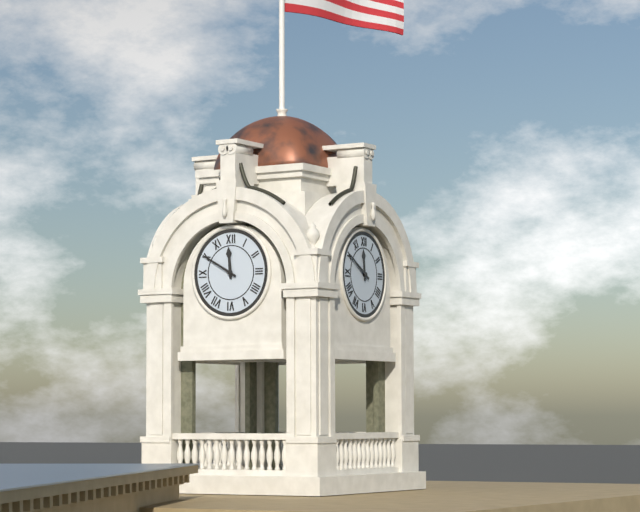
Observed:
11h50
